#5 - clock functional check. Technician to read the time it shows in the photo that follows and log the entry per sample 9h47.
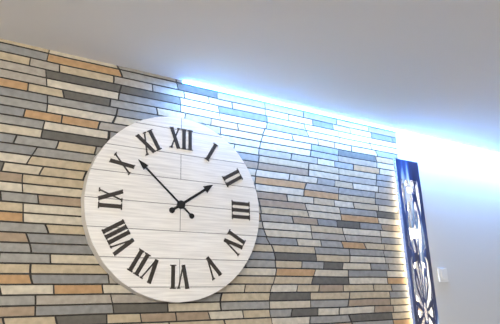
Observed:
1h52
